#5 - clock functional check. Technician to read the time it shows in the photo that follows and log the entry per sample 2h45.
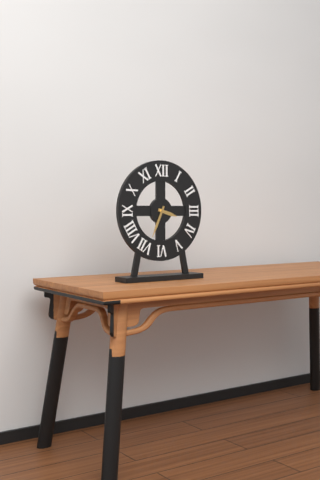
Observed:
3h34
